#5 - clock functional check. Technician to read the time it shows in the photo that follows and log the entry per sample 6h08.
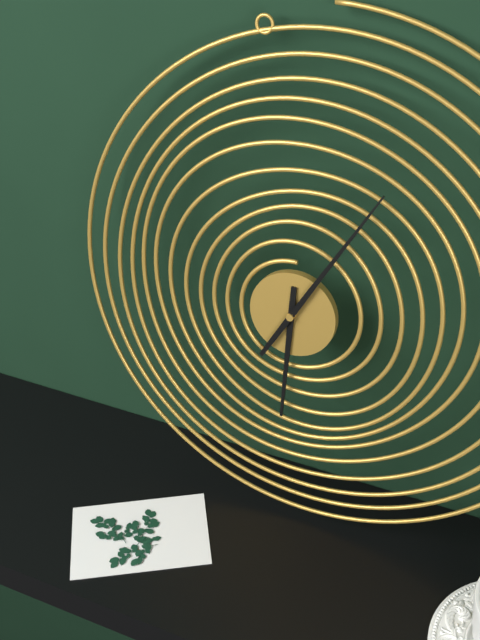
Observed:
6h05
